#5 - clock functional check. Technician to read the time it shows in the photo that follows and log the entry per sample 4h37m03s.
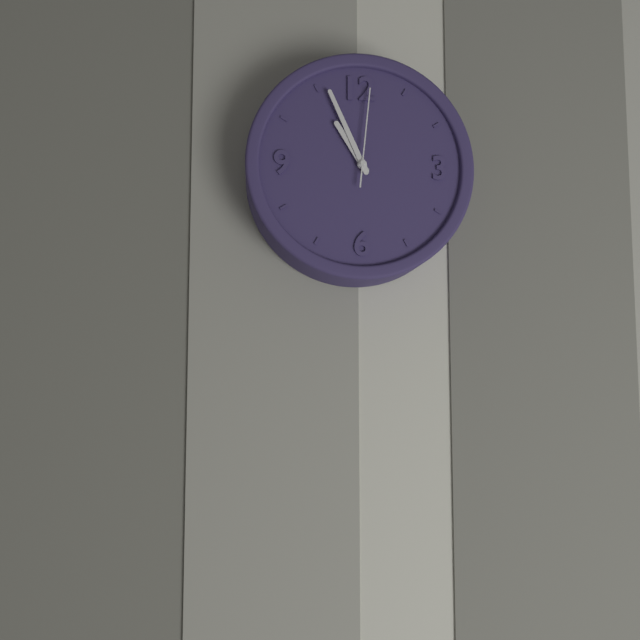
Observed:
10h56m01s
